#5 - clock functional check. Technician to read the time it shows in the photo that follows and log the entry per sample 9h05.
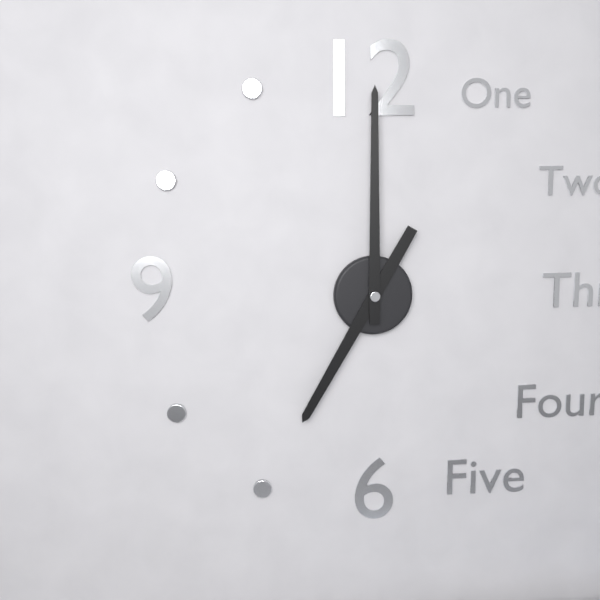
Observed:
7h00
